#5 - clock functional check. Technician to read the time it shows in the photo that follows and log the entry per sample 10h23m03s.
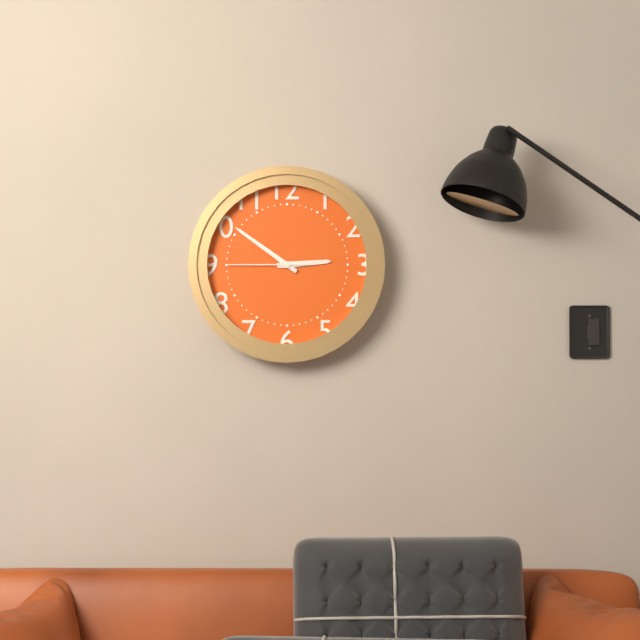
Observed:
2h51m45s
